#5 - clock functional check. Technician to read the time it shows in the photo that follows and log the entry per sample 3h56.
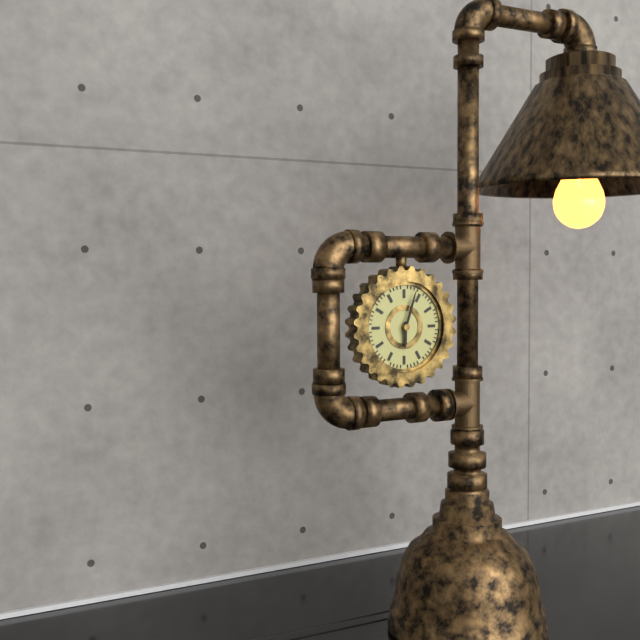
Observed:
6h03
